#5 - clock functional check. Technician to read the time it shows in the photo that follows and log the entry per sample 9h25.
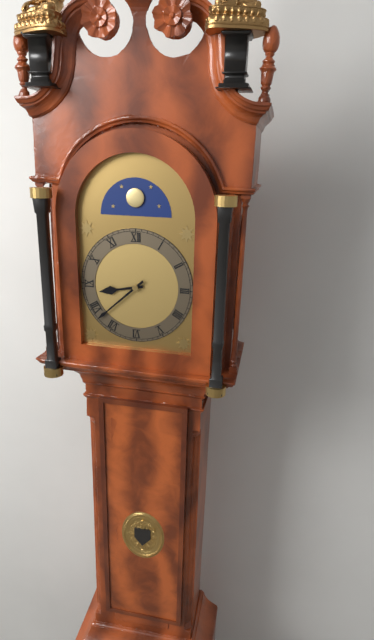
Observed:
8h38
